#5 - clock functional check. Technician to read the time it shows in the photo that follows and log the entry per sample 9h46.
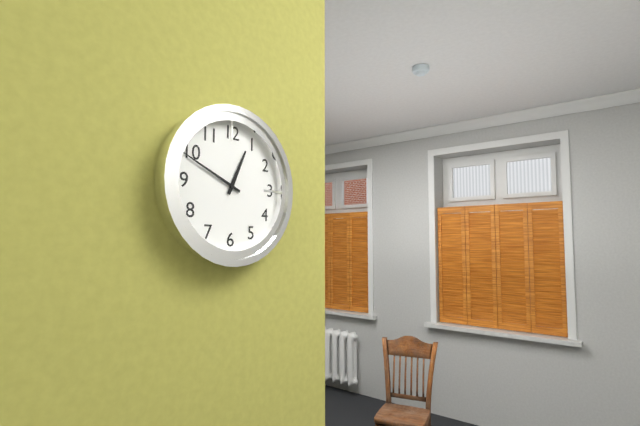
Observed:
12h49
